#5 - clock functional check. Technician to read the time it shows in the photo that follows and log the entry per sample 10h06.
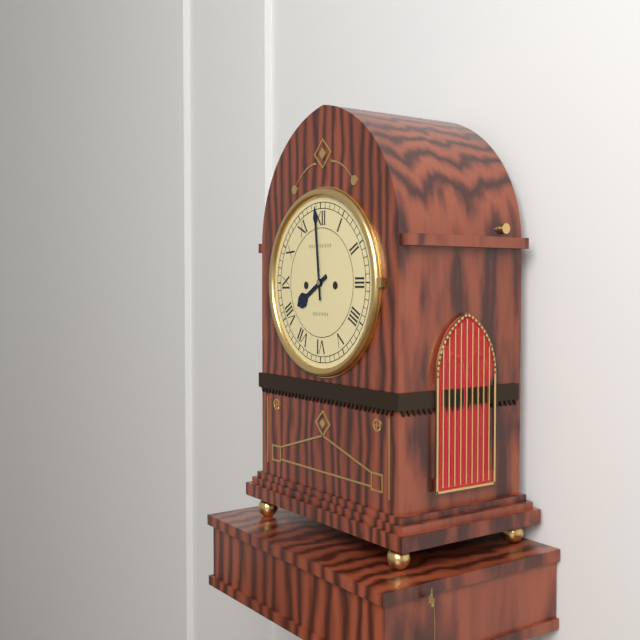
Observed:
7h59
